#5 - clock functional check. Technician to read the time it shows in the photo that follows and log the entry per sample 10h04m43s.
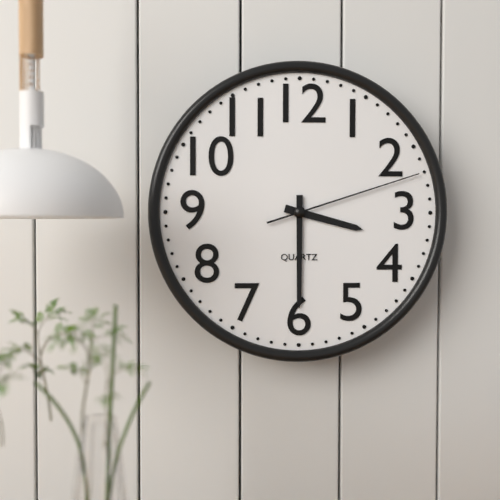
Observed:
3h30m12s
